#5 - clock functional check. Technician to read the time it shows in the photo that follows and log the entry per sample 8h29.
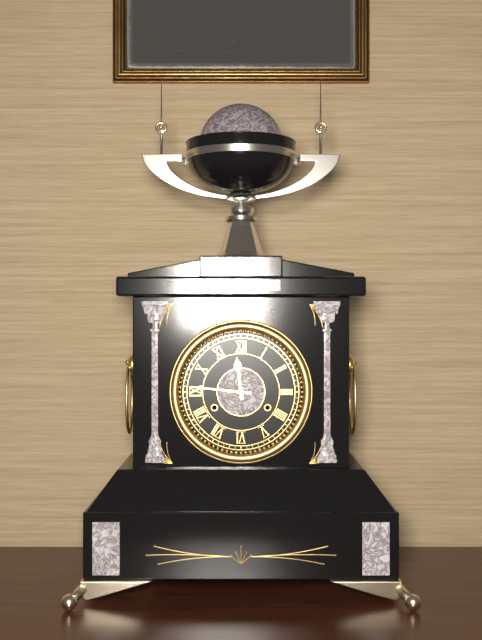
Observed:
11h46
